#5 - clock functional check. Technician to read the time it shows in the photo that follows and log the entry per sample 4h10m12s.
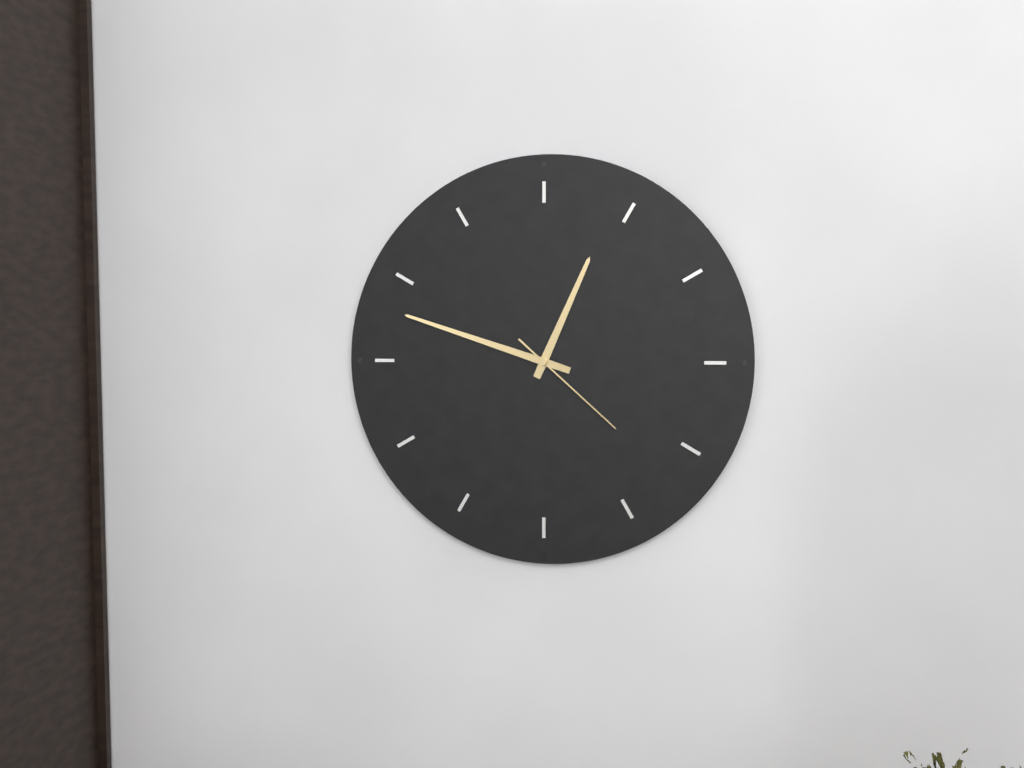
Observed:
12h48m22s
